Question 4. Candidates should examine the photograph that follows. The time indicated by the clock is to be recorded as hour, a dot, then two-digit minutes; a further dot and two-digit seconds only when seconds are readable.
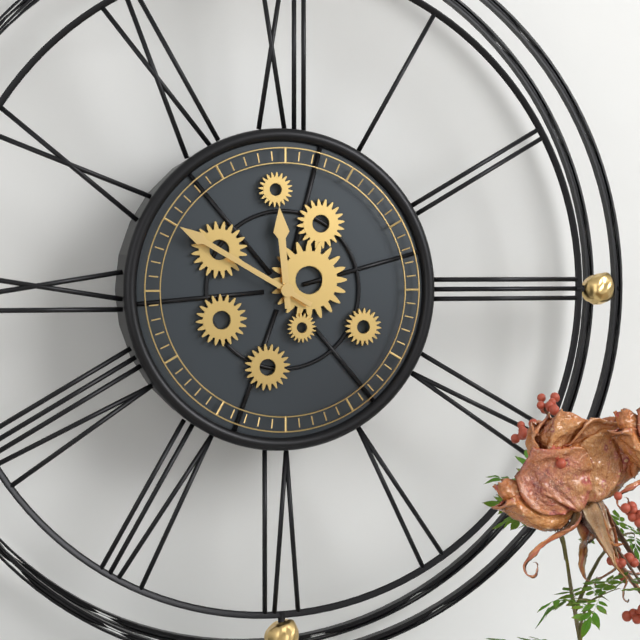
11.50
